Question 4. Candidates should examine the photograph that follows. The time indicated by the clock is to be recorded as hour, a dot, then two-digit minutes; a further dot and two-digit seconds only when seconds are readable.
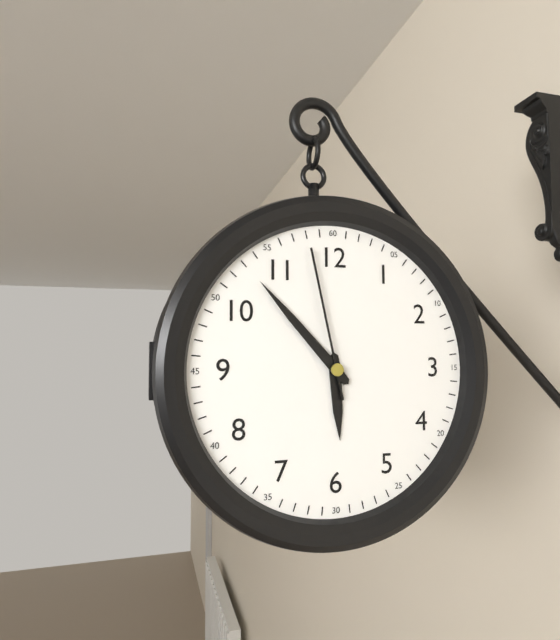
5.53.58
